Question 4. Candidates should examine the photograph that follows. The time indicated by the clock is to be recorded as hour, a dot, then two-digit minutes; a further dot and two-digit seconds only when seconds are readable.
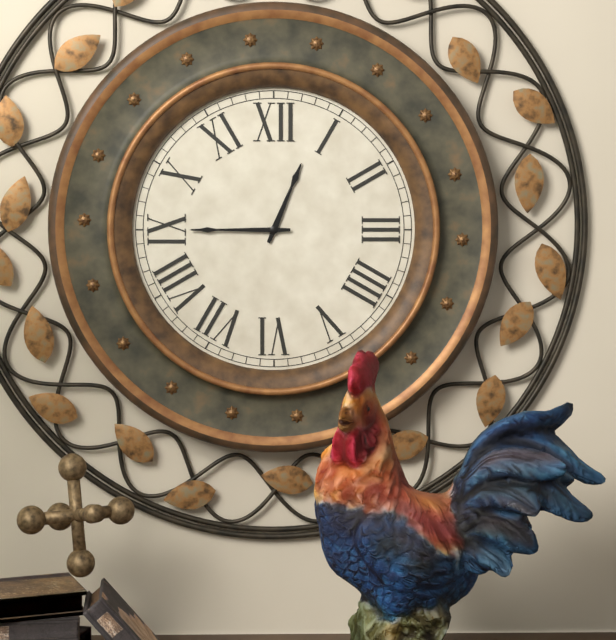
12.45
